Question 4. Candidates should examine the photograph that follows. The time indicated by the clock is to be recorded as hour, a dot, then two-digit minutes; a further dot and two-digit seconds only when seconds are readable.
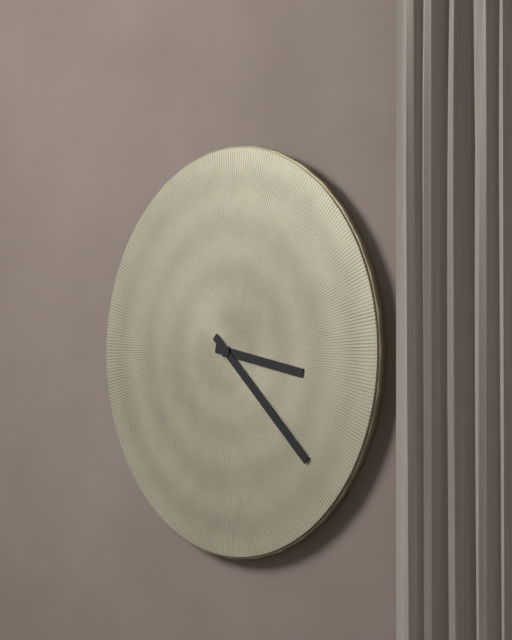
3.22
